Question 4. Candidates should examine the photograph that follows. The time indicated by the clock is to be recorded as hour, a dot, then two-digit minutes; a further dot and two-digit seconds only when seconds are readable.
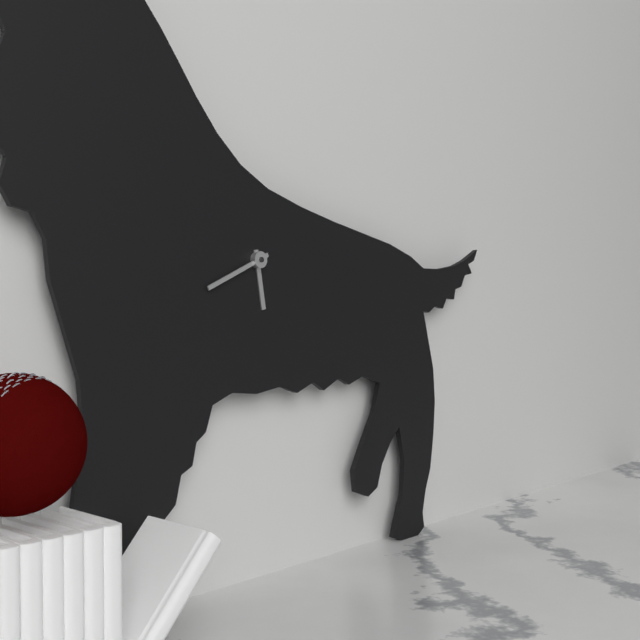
5.41
